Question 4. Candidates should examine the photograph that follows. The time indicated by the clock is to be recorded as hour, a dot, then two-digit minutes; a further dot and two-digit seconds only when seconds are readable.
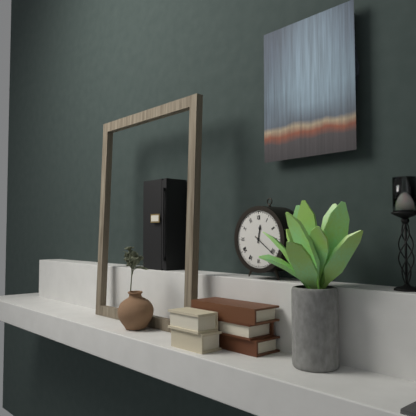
12.21
